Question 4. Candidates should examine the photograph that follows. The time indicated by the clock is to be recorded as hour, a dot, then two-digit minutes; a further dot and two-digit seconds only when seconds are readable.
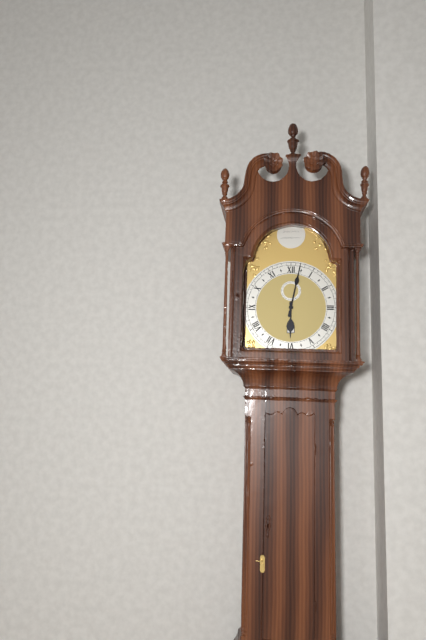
6.02
